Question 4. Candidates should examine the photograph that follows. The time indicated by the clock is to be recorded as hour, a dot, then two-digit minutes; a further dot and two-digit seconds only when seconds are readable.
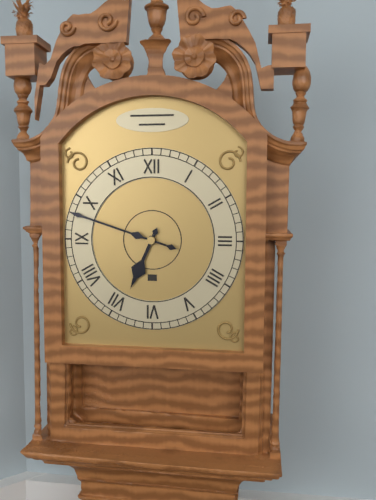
6.48
